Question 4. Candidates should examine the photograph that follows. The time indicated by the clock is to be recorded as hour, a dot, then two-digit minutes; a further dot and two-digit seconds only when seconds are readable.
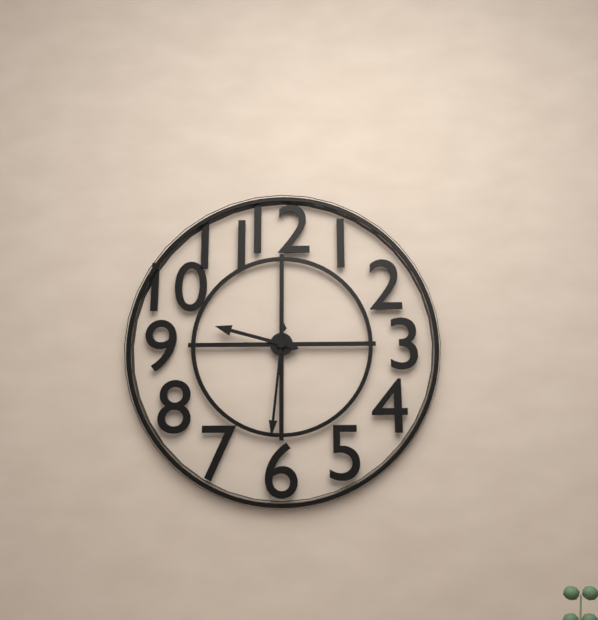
9.31
